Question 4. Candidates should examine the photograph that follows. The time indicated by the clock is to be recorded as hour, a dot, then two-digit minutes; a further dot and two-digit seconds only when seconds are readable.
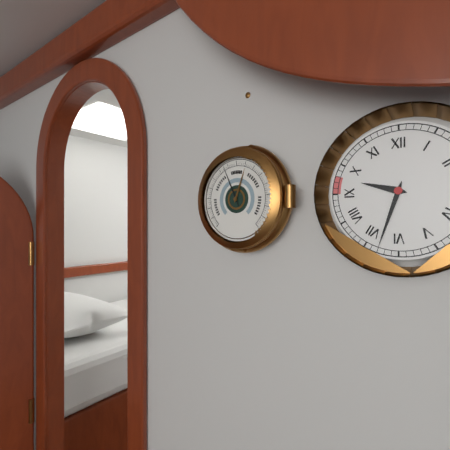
9.33
